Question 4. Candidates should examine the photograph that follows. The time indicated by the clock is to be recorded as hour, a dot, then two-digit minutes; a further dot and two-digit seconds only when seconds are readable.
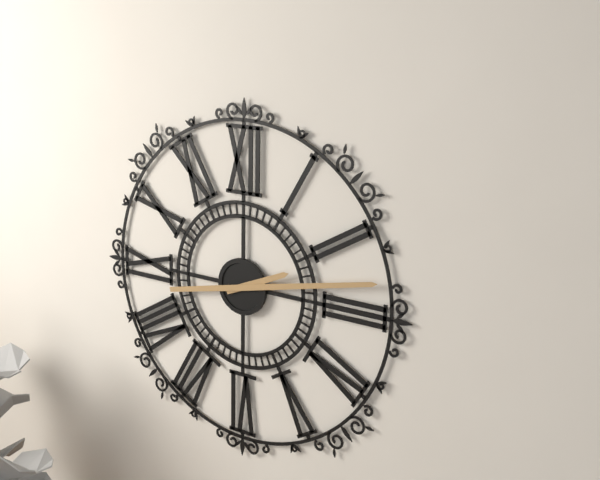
2.13
